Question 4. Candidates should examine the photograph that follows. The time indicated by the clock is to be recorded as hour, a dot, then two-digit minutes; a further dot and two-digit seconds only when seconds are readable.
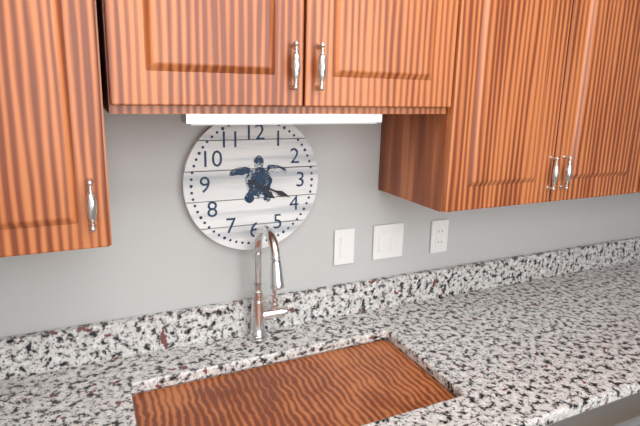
4.19
